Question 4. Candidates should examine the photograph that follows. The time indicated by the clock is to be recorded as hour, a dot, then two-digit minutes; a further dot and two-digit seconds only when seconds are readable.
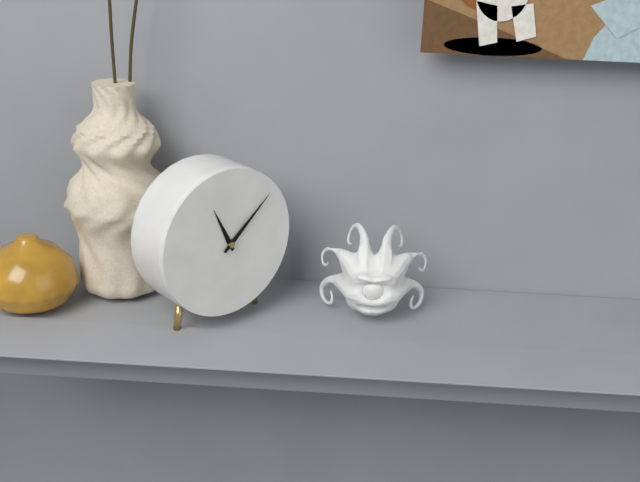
11.08
